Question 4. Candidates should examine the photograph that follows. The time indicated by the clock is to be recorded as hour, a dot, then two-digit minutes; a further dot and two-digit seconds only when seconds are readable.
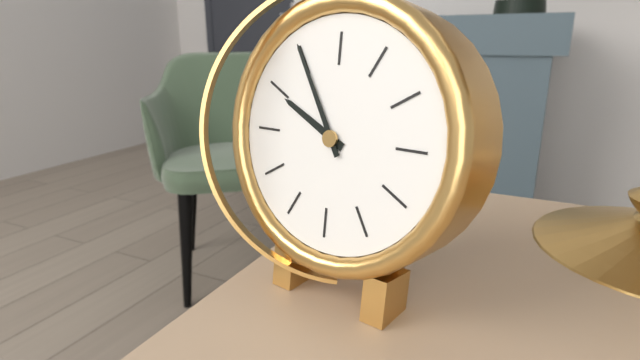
9.55
